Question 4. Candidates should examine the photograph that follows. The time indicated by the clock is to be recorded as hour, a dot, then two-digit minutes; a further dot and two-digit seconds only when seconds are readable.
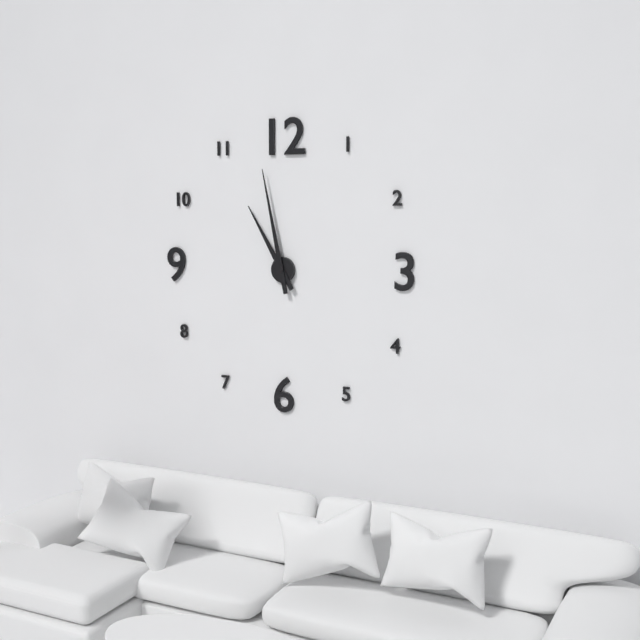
10.58
